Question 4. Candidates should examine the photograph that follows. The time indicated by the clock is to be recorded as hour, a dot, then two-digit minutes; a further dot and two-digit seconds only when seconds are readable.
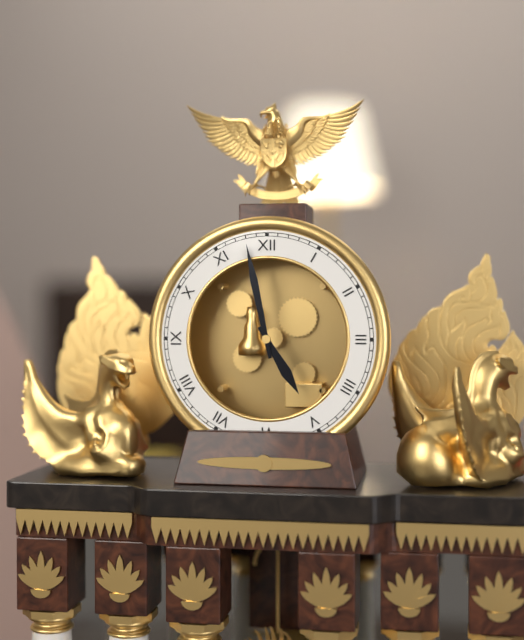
4.58
